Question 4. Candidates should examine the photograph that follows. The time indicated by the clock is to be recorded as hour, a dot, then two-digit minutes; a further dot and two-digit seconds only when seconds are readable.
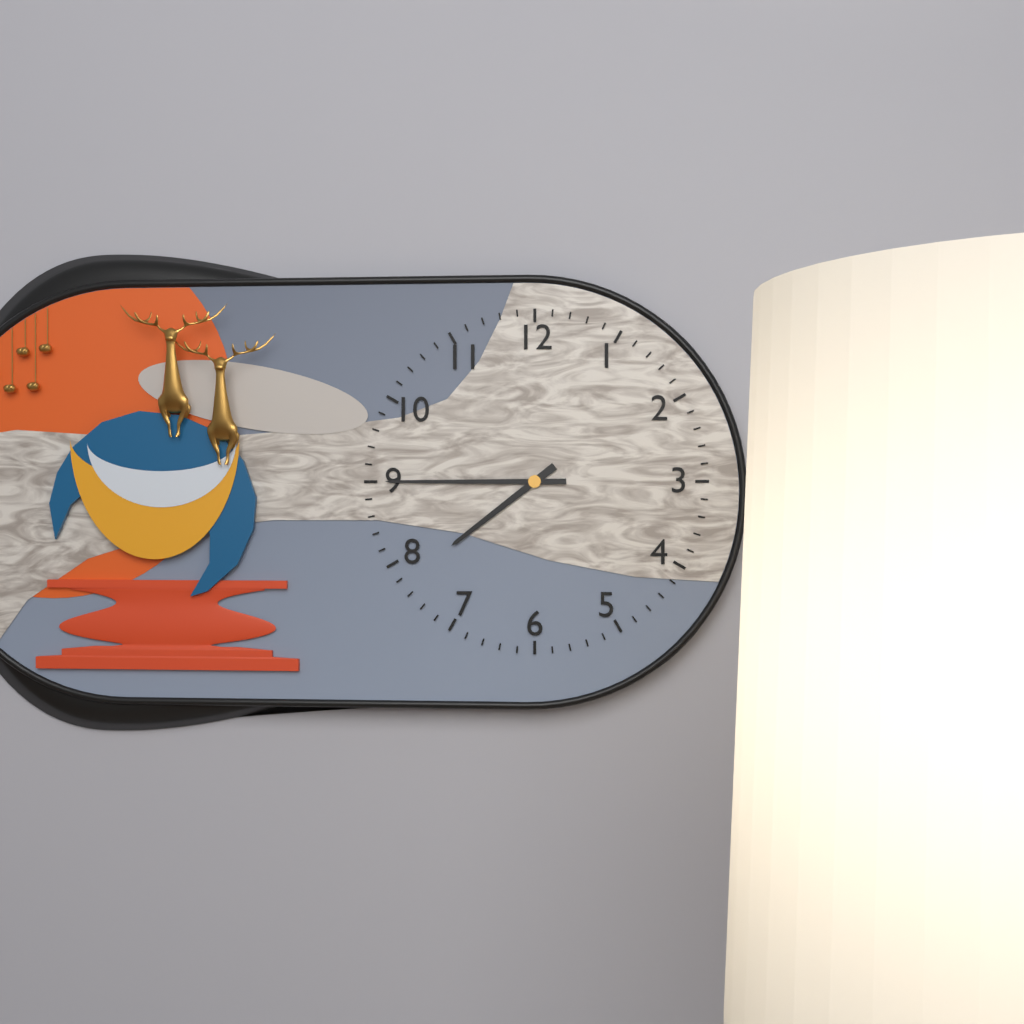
7.45
